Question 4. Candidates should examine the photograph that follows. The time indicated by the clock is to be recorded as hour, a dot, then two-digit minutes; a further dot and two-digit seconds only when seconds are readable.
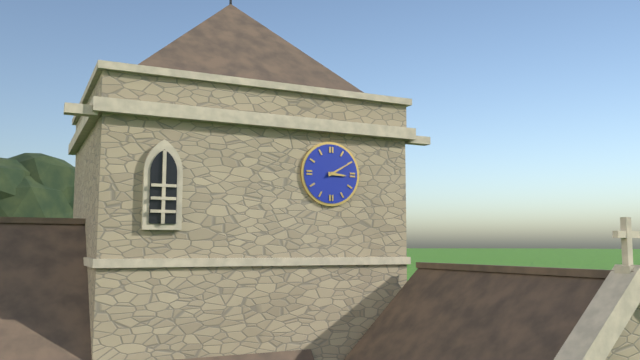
3.10
